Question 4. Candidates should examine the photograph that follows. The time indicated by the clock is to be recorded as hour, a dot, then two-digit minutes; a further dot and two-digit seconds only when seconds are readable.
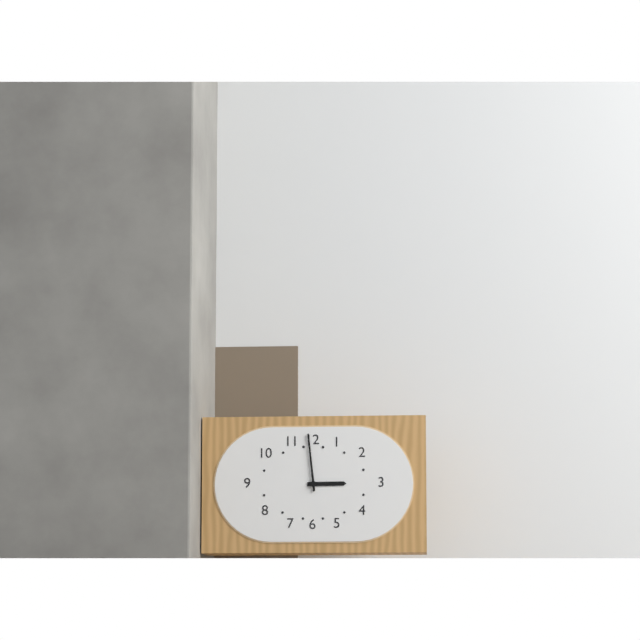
2.59
